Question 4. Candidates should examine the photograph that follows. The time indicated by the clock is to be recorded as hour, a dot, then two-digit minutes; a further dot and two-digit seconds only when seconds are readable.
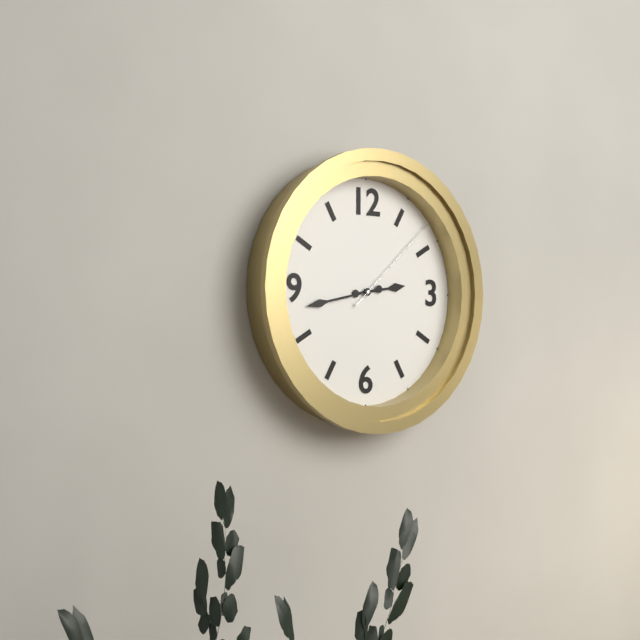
2.43.08
